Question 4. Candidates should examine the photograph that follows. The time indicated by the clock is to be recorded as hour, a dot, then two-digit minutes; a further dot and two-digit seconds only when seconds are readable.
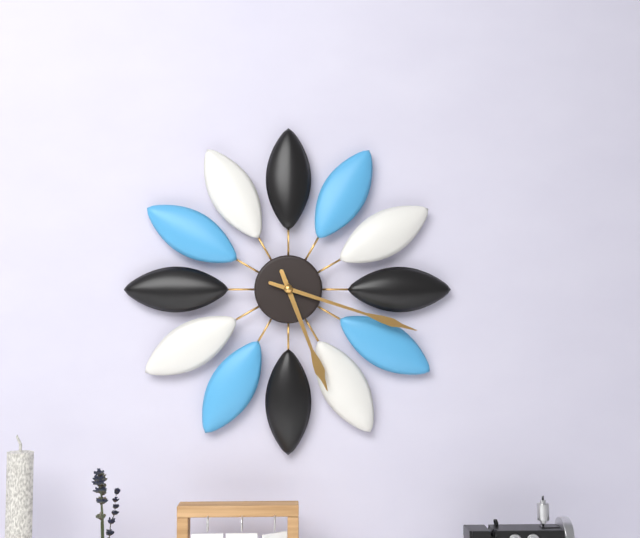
5.18
